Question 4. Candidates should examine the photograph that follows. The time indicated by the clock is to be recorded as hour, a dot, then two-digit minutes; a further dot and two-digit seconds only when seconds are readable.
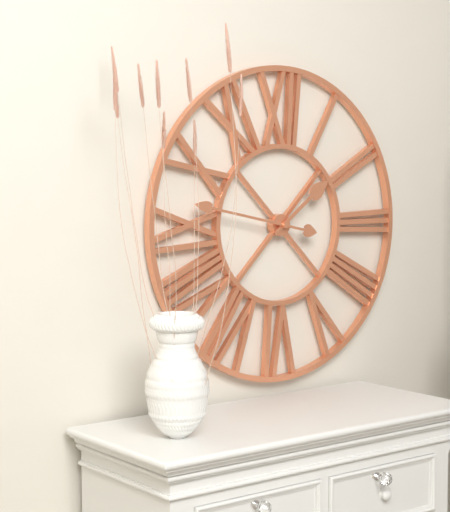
1.47
